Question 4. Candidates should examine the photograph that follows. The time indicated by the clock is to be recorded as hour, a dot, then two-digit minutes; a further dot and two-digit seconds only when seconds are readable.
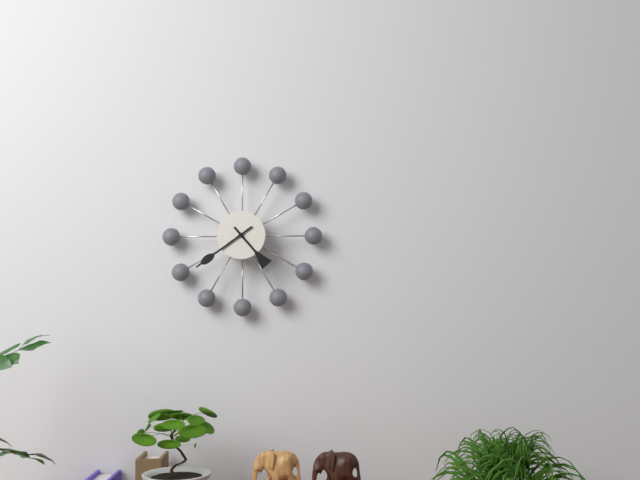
4.39
